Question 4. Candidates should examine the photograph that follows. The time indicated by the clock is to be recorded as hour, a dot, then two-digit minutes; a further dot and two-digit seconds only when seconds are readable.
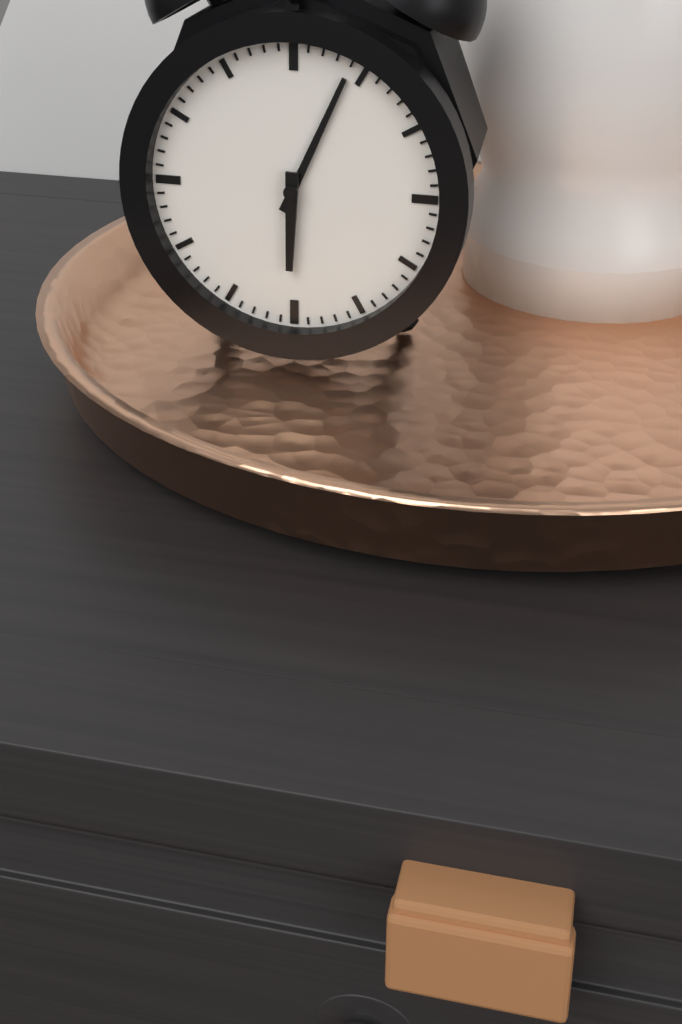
6.04
